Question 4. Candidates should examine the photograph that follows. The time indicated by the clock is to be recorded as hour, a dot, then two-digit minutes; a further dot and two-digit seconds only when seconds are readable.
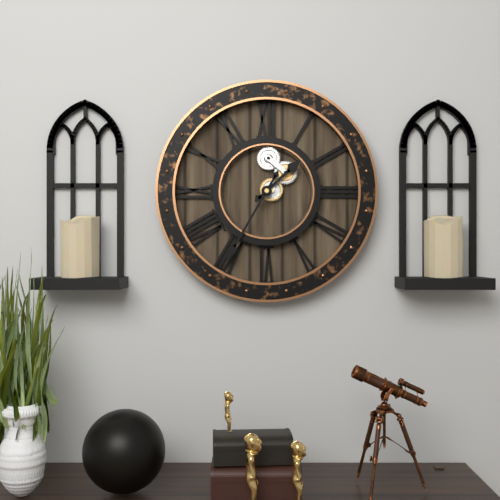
1.35
